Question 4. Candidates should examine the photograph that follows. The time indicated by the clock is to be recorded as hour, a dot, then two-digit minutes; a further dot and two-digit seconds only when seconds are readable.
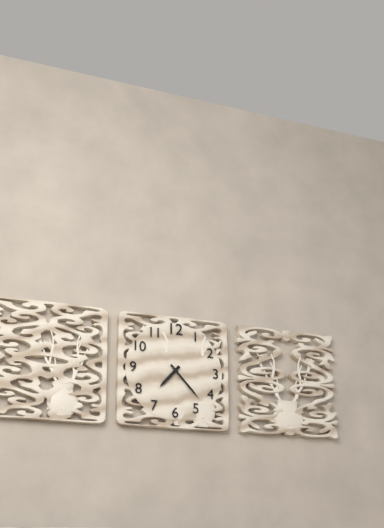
7.23
